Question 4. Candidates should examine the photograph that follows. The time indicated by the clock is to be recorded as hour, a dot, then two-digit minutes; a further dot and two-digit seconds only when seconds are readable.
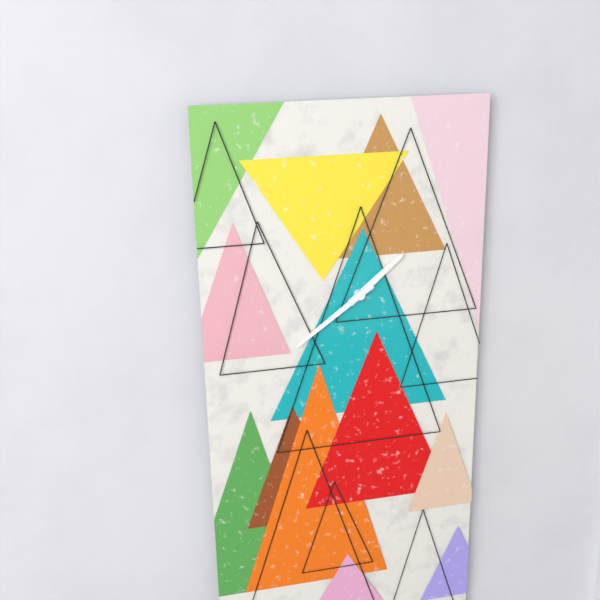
1.39
